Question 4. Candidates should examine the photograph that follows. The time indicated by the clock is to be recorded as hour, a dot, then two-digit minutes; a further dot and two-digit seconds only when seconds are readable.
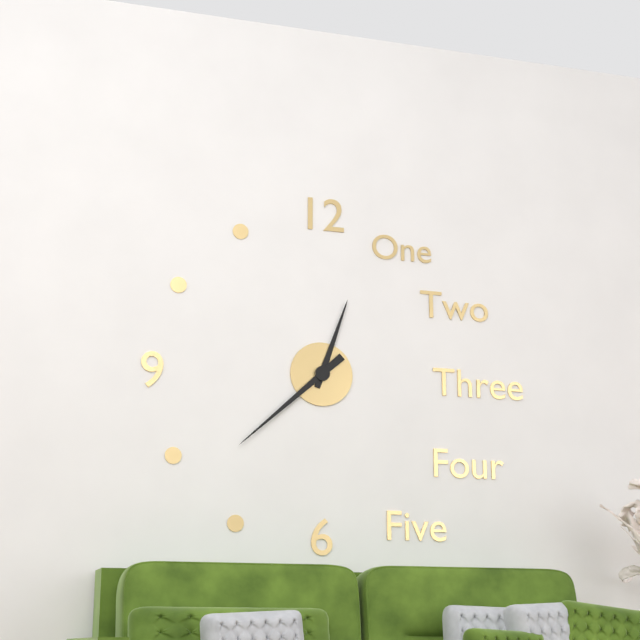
12.38
